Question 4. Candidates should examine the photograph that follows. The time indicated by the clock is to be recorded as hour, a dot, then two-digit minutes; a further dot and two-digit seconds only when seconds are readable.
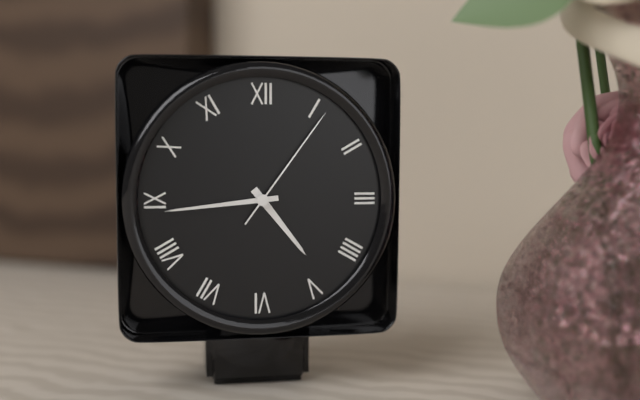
4.44.06
